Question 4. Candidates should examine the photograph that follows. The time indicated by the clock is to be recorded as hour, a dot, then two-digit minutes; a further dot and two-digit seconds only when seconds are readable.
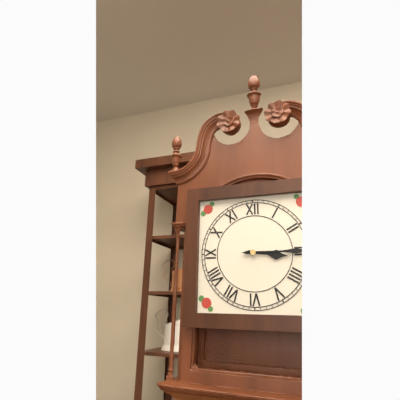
3.15
